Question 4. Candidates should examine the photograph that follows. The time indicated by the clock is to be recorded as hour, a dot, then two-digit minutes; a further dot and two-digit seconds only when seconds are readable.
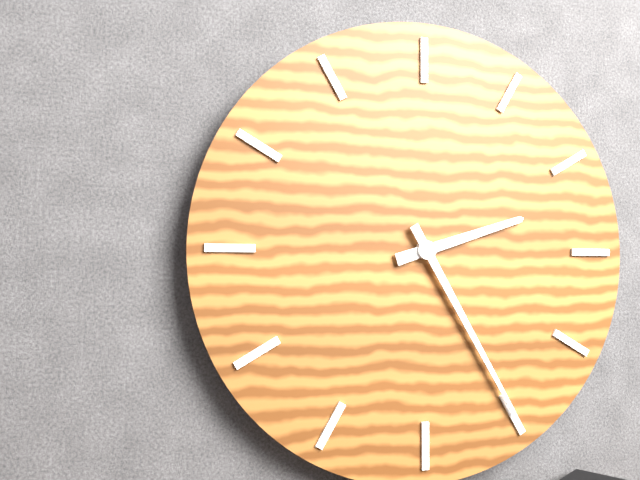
2.25
